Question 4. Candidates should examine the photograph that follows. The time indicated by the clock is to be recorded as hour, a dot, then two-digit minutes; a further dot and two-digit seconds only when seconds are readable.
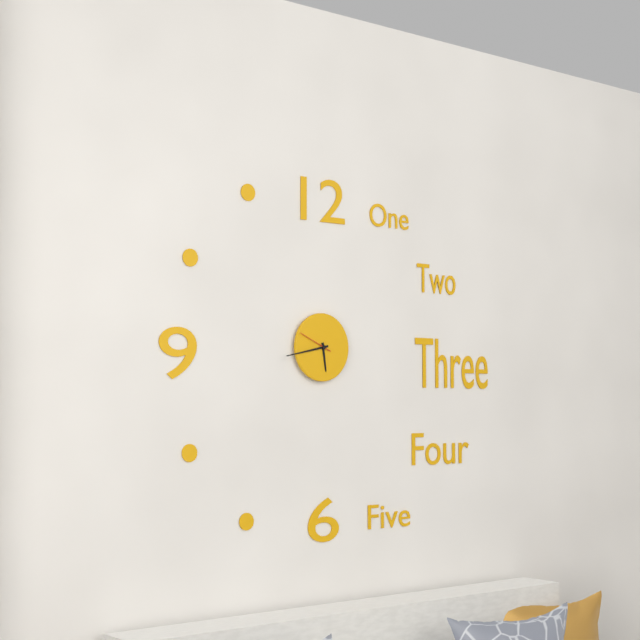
5.43
